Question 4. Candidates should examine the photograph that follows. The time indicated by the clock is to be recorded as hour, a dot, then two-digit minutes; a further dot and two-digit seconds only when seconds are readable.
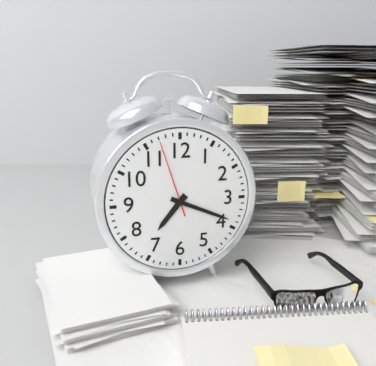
7.19.57
